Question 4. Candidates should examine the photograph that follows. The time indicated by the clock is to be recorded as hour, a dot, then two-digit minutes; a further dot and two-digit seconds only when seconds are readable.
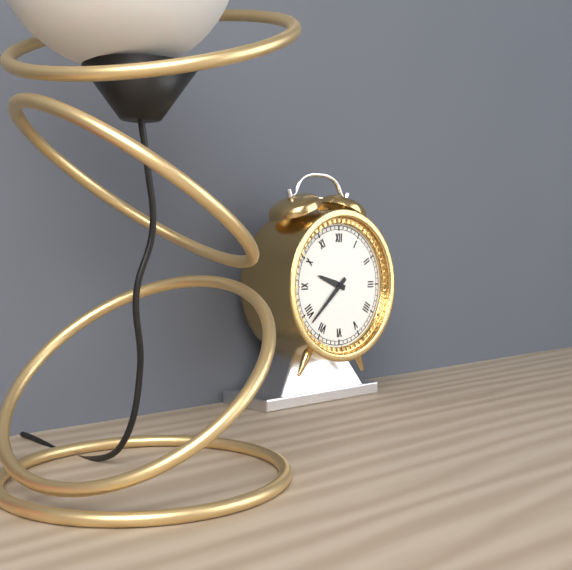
9.38
